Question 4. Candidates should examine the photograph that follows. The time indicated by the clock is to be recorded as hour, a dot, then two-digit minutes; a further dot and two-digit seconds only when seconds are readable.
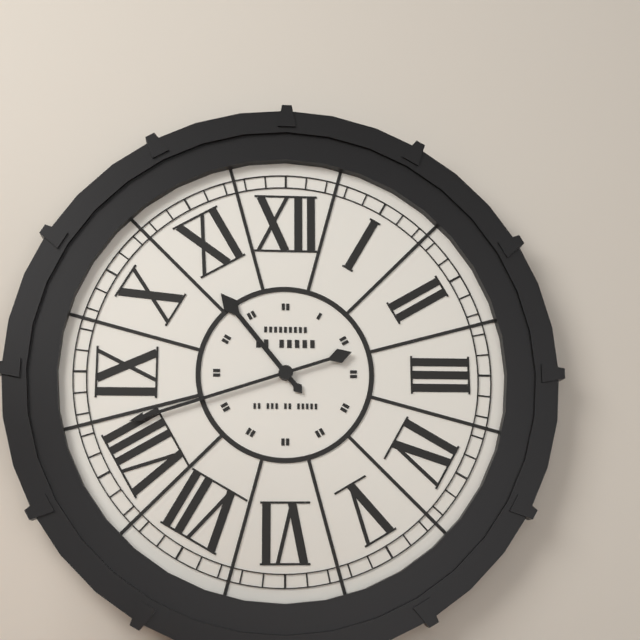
10.42
